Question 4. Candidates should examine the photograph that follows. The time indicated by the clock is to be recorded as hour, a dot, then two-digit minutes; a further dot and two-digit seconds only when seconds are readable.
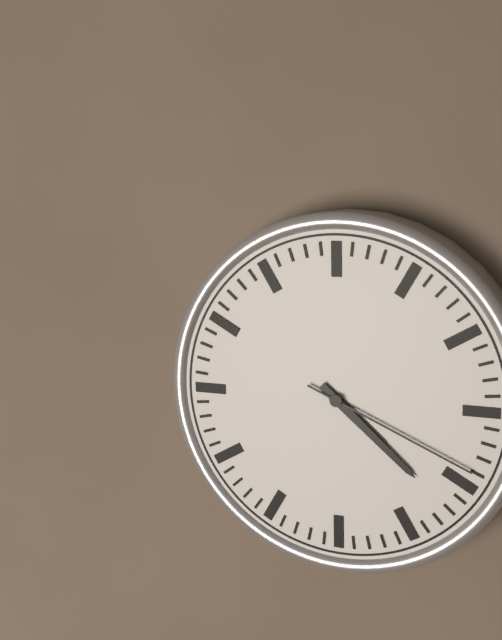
4.22.19
